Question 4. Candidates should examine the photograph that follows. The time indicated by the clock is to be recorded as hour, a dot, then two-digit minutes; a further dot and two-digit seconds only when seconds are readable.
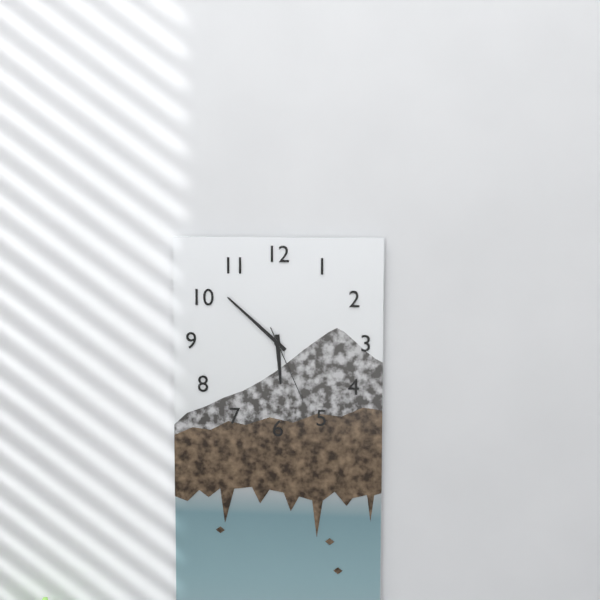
5.52.26
